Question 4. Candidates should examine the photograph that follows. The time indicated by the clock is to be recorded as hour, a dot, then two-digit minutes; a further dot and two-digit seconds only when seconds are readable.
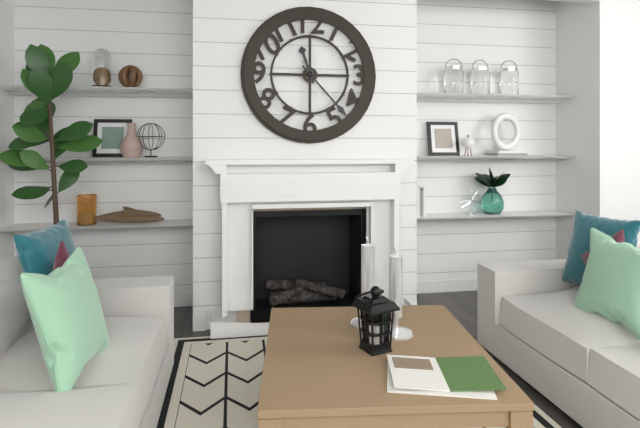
11.23
